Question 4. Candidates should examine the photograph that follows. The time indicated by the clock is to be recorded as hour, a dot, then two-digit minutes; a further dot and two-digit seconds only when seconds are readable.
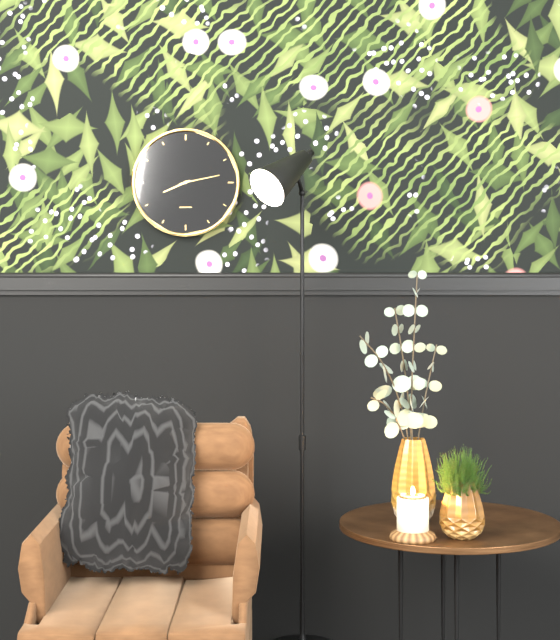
8.13
